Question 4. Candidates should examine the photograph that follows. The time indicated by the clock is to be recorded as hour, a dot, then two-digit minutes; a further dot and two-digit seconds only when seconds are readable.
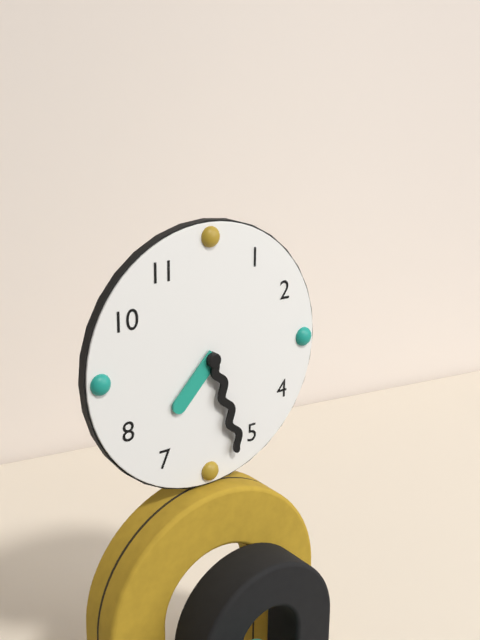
7.27
